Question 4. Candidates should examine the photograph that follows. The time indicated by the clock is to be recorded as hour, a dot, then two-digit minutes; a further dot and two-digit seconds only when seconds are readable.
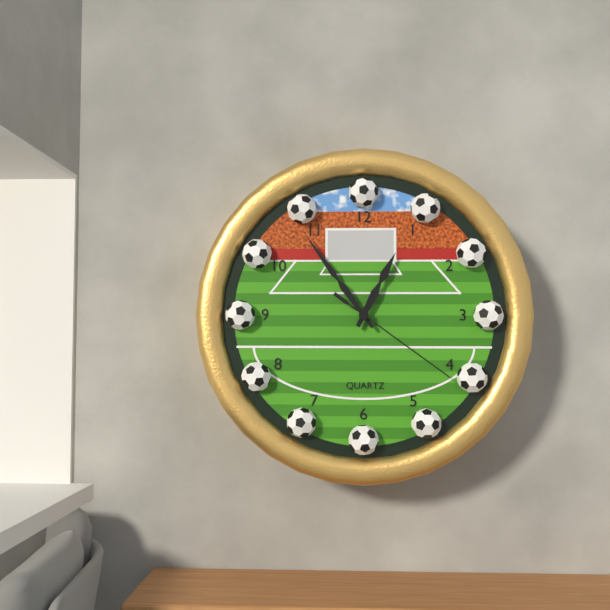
12.54.21
